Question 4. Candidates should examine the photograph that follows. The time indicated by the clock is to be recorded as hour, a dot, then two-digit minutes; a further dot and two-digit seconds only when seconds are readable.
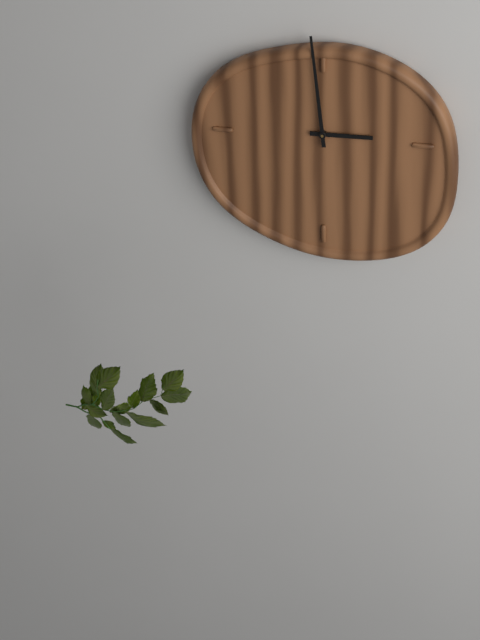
2.59
